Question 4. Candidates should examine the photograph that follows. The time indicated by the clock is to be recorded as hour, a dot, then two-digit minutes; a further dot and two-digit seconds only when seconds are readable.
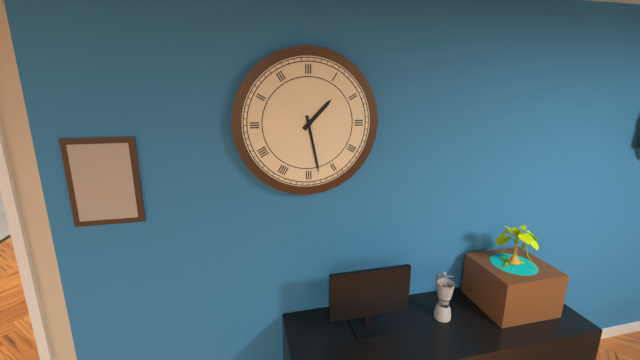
1.28
